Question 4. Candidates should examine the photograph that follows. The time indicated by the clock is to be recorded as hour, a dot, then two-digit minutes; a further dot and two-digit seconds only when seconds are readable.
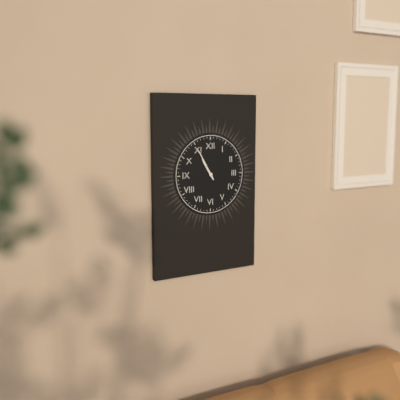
10.55
